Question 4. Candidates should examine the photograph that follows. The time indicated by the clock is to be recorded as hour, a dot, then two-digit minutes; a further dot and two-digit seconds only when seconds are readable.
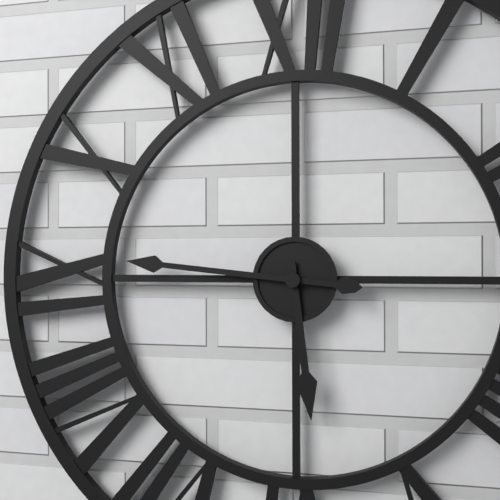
5.46
